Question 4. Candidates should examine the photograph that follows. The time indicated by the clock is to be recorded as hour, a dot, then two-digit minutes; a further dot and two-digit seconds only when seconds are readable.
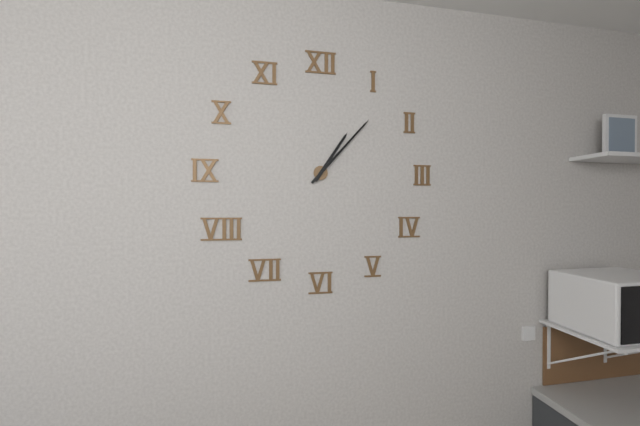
1.07
